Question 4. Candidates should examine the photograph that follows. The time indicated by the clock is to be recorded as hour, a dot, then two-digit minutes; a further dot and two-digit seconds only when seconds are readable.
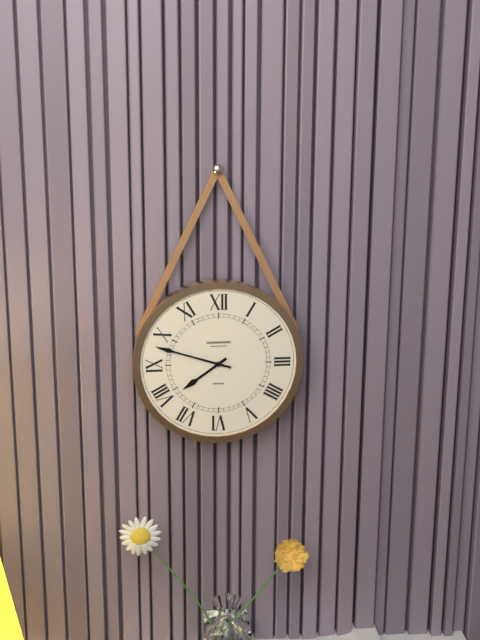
7.48
